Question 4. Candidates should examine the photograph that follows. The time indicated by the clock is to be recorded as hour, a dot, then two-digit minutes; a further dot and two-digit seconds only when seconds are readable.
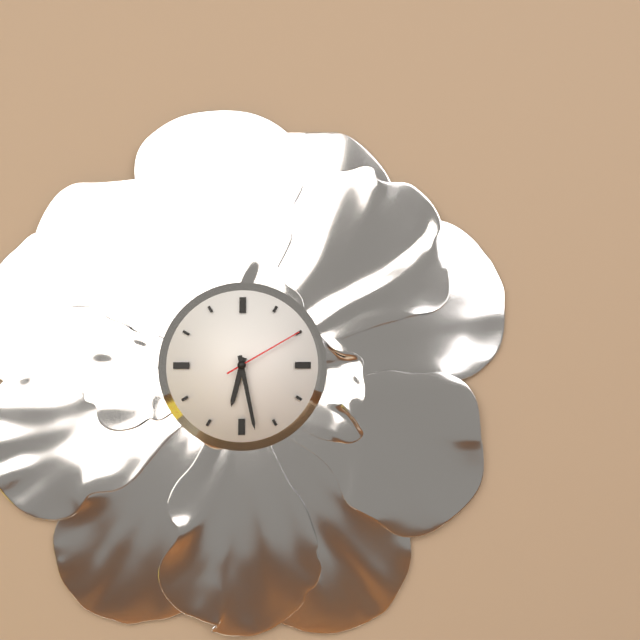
6.28.10
